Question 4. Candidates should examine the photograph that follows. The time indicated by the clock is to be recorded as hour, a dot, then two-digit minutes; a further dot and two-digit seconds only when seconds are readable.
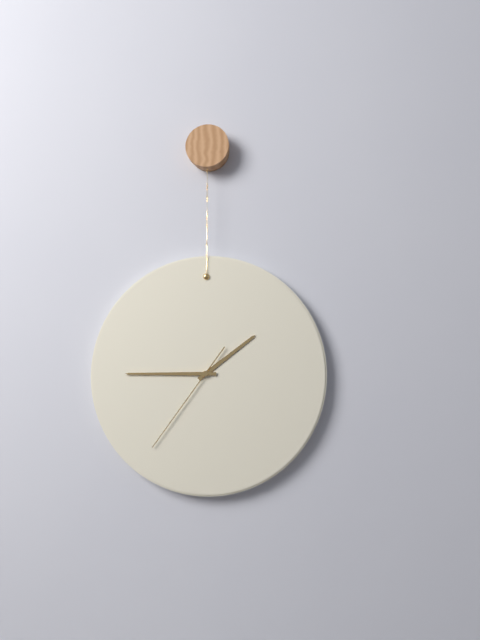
1.45.36
